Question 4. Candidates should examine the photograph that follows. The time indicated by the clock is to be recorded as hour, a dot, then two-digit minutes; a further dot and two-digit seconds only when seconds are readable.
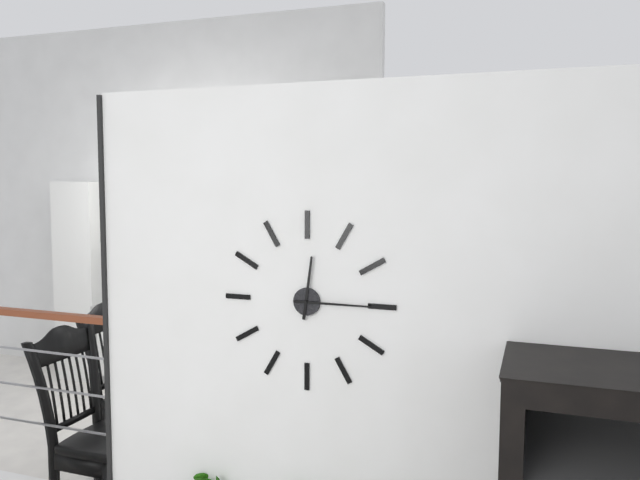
12.15
